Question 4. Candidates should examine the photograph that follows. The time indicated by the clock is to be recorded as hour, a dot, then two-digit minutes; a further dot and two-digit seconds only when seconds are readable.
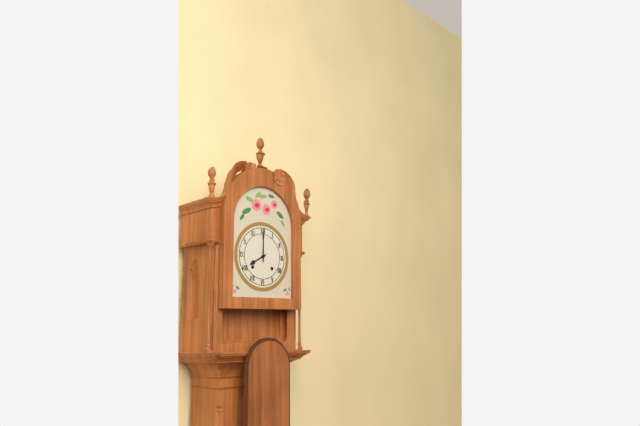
8.00
